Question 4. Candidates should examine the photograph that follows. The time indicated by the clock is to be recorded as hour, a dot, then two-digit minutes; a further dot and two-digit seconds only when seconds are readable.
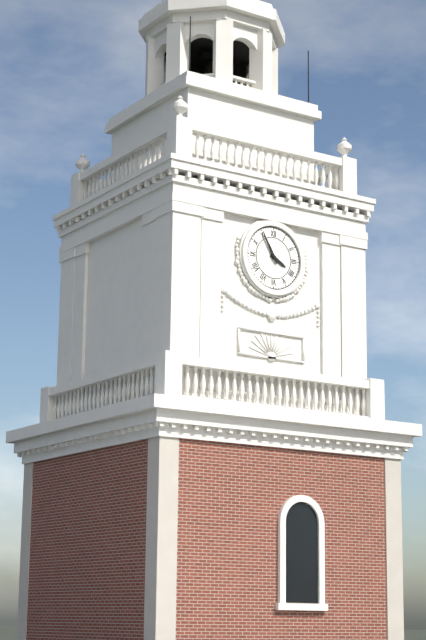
3.55
